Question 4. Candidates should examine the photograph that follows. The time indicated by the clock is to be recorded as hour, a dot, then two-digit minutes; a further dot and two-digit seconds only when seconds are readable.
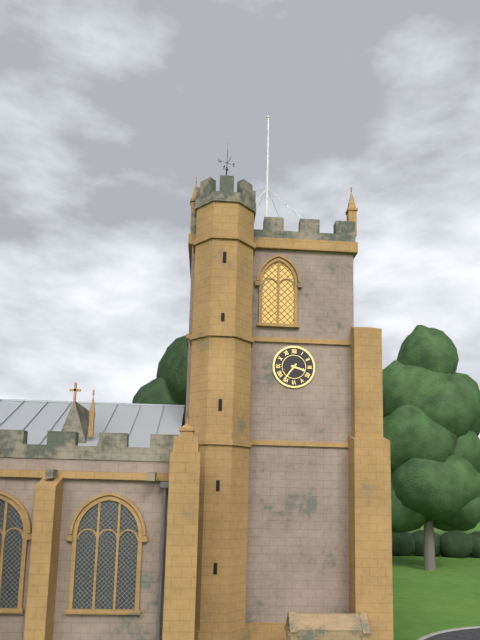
3.36
